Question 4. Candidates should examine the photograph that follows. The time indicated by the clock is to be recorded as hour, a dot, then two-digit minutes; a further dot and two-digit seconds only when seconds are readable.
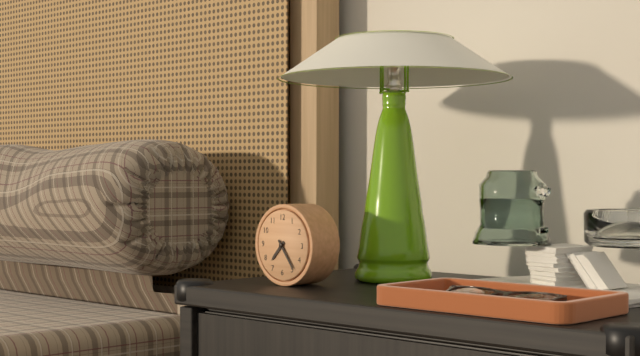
7.24
